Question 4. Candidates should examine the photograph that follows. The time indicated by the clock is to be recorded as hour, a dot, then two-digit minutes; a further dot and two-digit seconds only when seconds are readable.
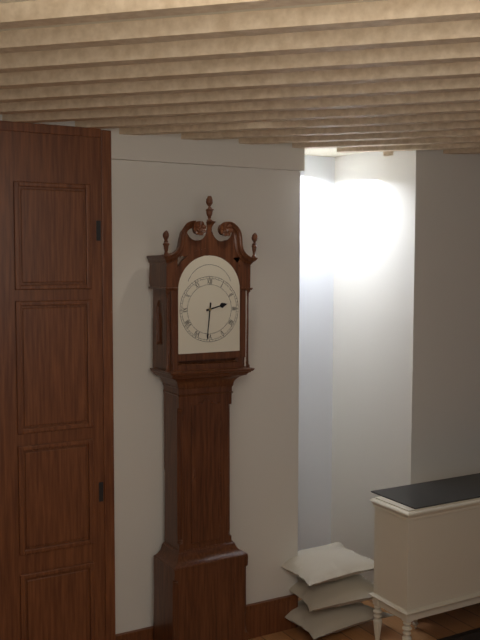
2.31
